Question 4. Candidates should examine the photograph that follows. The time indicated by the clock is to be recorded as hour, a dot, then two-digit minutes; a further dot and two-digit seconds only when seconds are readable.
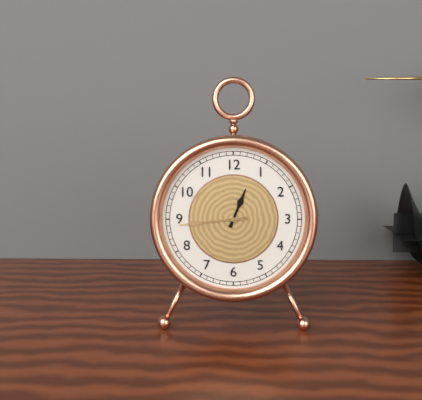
12.44
